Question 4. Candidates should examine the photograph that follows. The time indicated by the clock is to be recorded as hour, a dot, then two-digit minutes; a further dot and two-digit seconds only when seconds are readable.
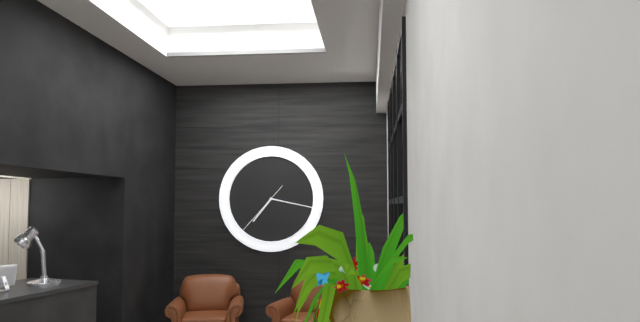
7.17.37
